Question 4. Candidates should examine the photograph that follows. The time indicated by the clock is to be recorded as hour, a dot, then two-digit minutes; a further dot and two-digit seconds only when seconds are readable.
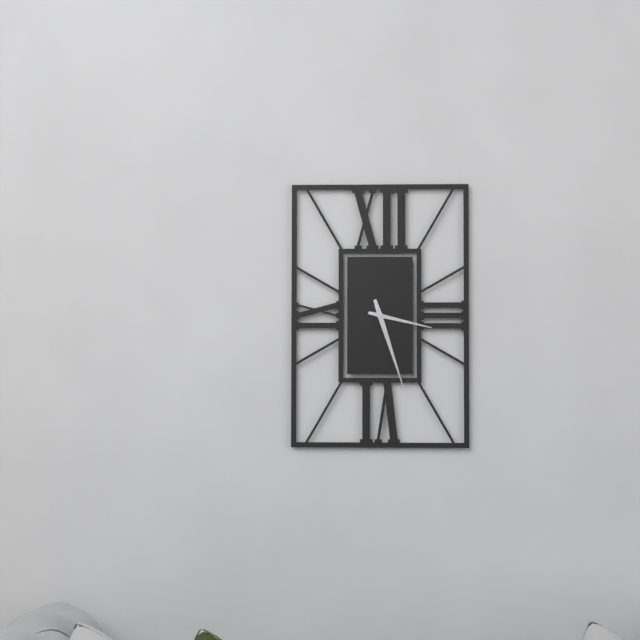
3.27
